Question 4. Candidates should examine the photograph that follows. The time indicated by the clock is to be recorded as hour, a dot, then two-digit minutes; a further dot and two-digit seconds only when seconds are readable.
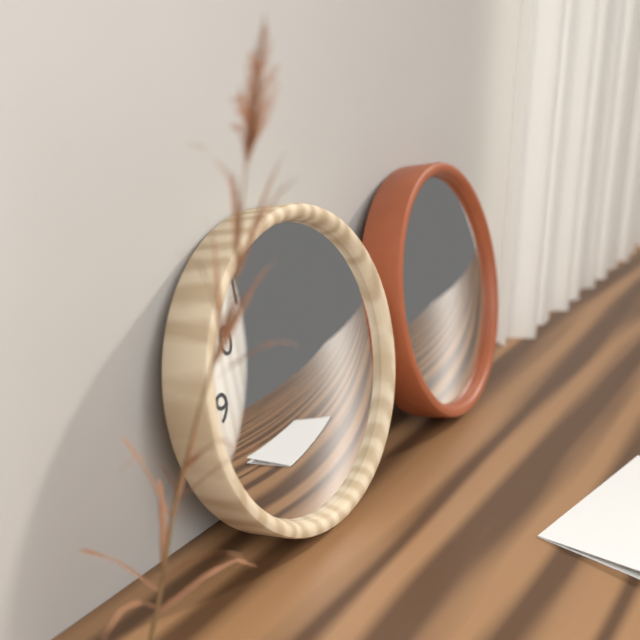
11.33
